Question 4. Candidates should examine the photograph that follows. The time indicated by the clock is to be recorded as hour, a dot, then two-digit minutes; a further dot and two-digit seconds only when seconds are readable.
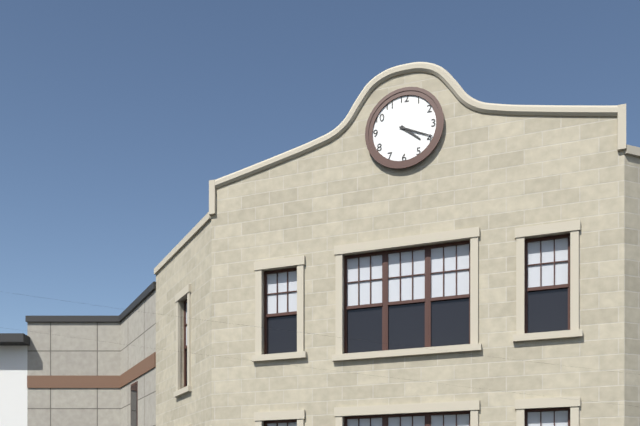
4.19
